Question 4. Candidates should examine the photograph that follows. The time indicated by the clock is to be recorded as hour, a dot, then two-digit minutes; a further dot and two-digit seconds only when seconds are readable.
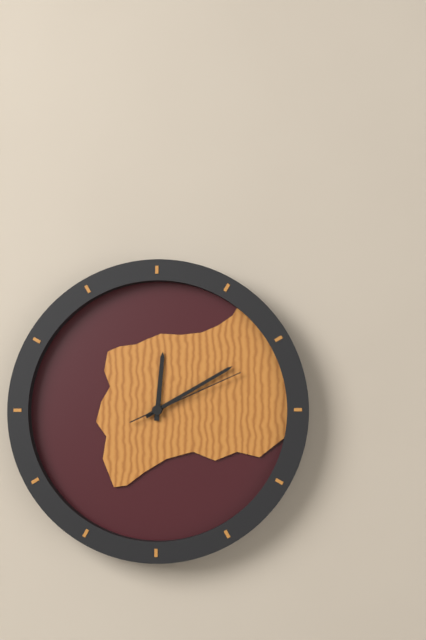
12.10.11
